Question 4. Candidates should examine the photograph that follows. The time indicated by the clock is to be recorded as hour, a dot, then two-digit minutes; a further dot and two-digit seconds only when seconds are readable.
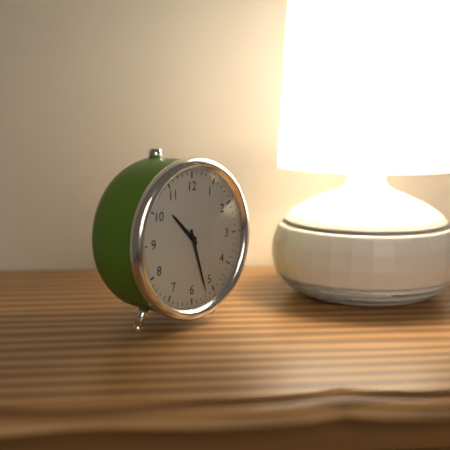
10.27
